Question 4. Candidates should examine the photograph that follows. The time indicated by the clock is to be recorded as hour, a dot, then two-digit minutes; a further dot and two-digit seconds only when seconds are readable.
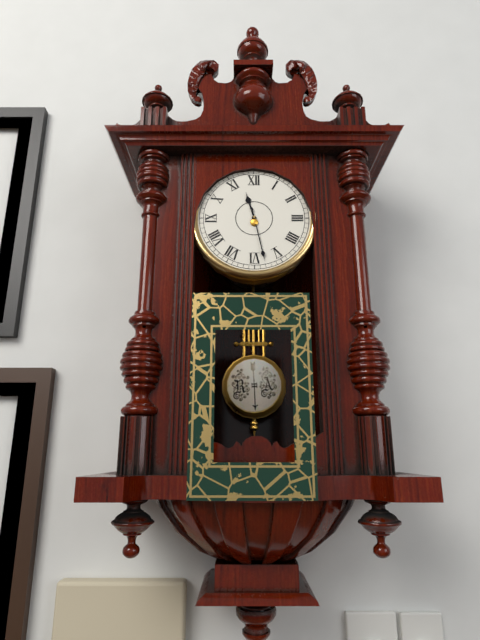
11.28
